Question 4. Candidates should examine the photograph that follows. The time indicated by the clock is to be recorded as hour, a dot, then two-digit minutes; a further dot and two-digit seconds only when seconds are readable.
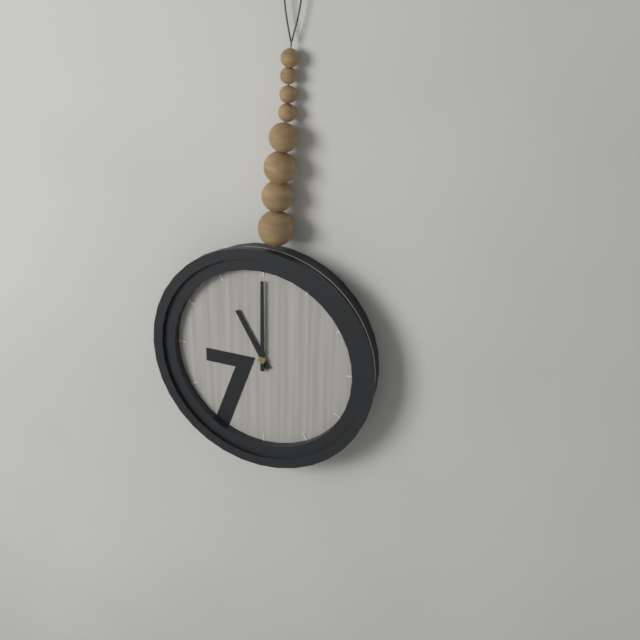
11.00
